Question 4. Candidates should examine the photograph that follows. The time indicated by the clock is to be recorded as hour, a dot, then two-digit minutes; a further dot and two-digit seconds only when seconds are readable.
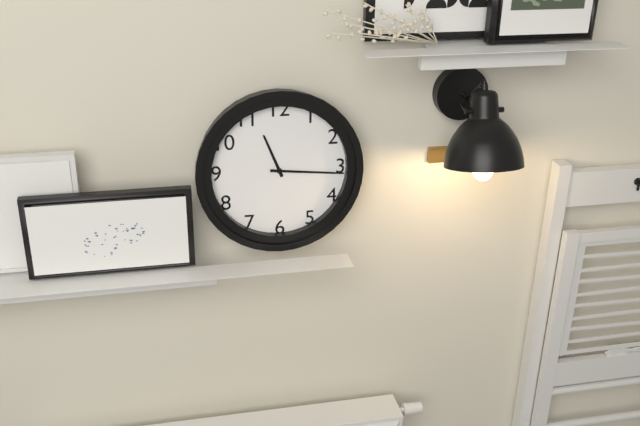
11.16
